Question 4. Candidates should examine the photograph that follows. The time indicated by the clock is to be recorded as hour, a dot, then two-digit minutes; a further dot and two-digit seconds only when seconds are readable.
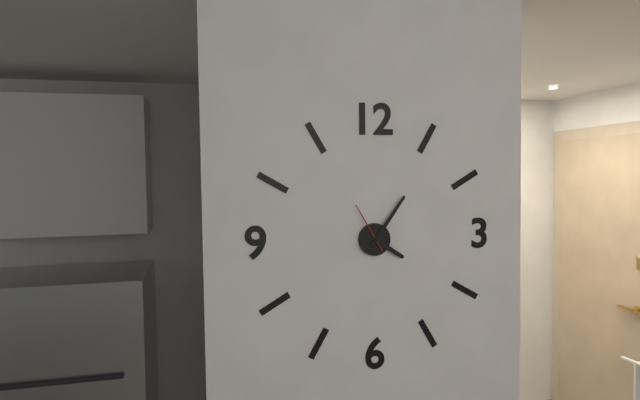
4.06.55
